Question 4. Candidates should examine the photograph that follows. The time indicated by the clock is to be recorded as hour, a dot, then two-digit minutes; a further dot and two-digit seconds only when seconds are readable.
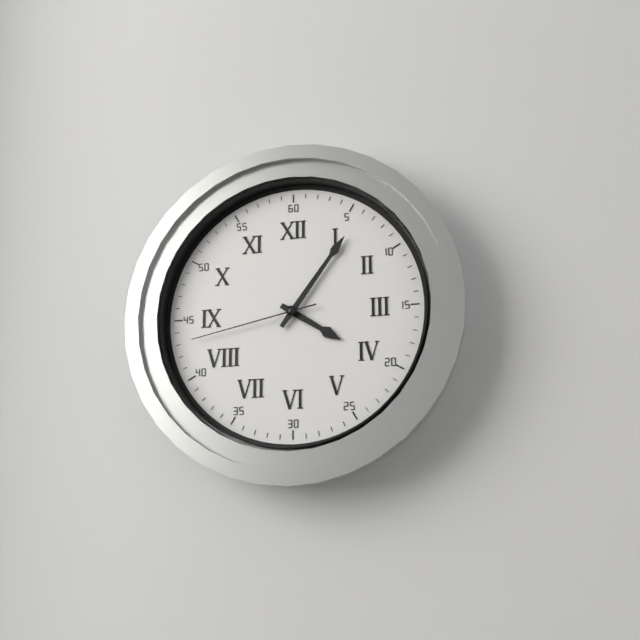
4.06.43
